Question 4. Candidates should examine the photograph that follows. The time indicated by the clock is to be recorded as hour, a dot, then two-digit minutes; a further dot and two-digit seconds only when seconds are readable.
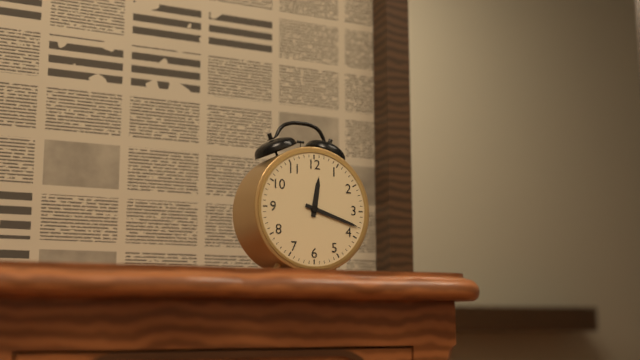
12.18
